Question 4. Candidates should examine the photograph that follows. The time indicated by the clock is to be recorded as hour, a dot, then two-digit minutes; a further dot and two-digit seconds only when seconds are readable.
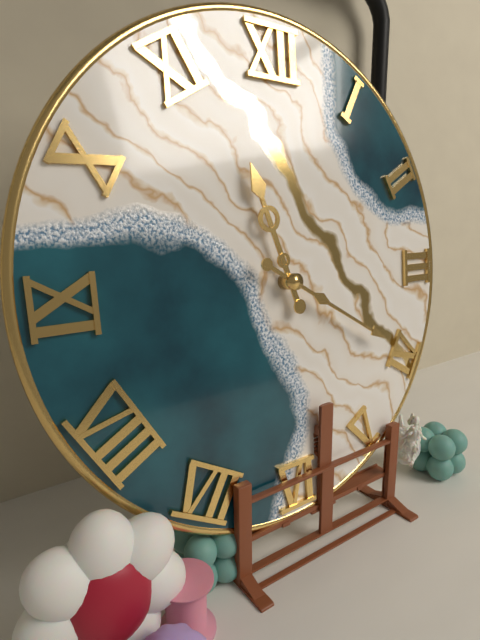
11.20
